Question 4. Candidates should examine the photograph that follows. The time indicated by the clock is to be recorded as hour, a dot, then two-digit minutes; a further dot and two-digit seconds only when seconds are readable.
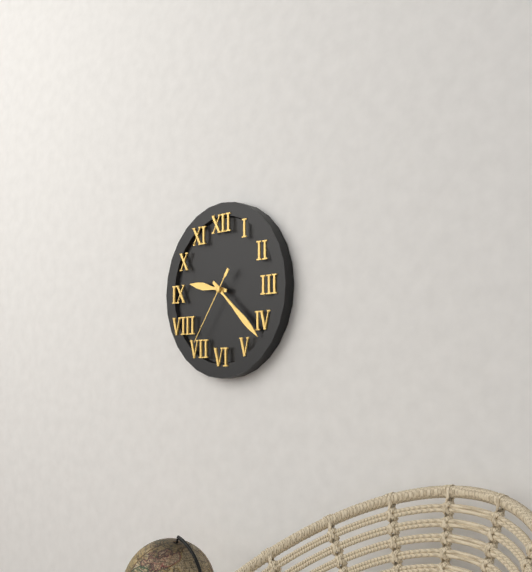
9.22.36
